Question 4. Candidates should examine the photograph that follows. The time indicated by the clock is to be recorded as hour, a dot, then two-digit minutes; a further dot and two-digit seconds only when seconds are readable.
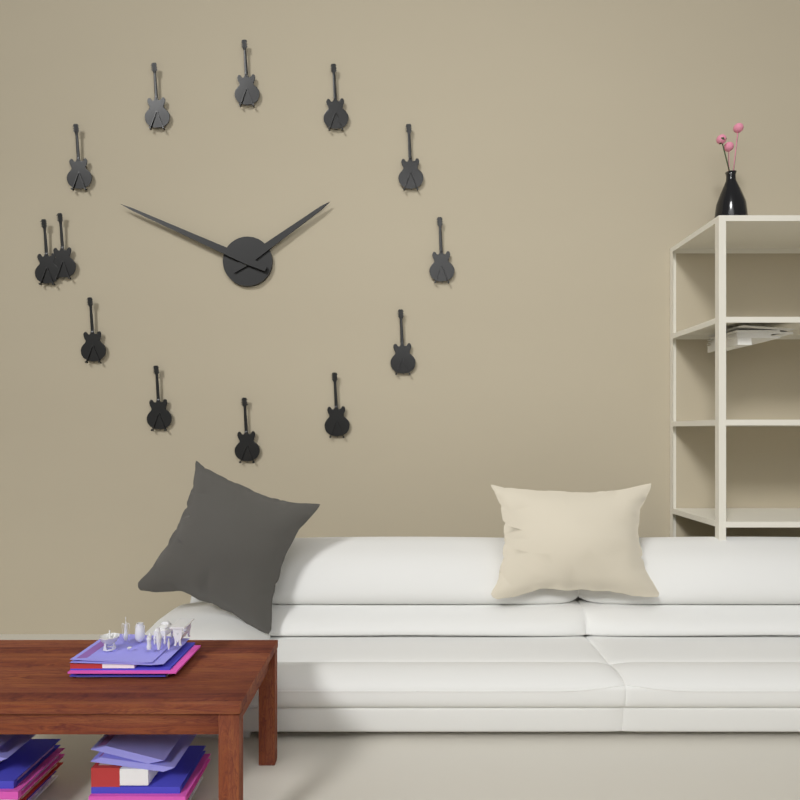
1.49
